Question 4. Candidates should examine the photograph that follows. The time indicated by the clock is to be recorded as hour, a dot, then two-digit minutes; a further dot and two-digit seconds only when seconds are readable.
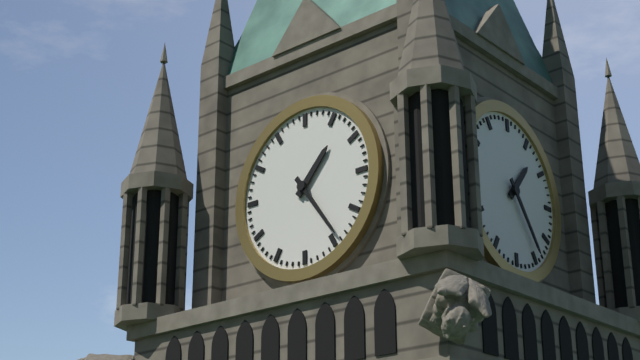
1.24
